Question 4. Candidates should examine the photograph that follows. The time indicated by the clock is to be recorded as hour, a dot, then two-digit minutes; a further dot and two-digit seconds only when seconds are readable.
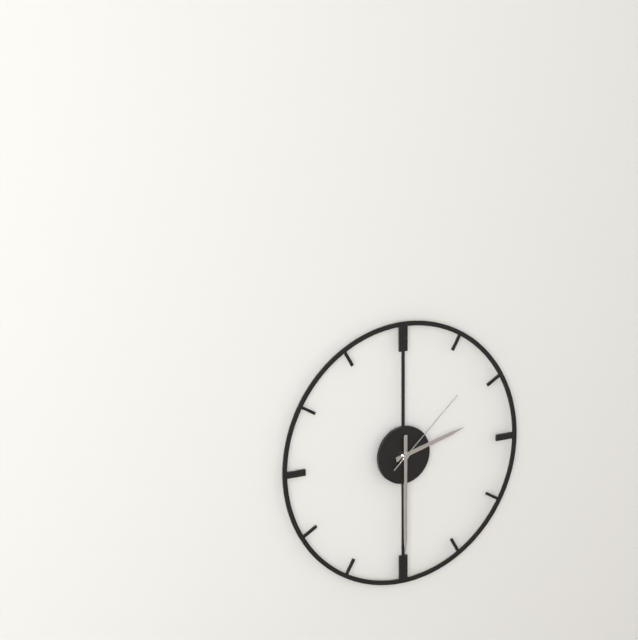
2.30.08
